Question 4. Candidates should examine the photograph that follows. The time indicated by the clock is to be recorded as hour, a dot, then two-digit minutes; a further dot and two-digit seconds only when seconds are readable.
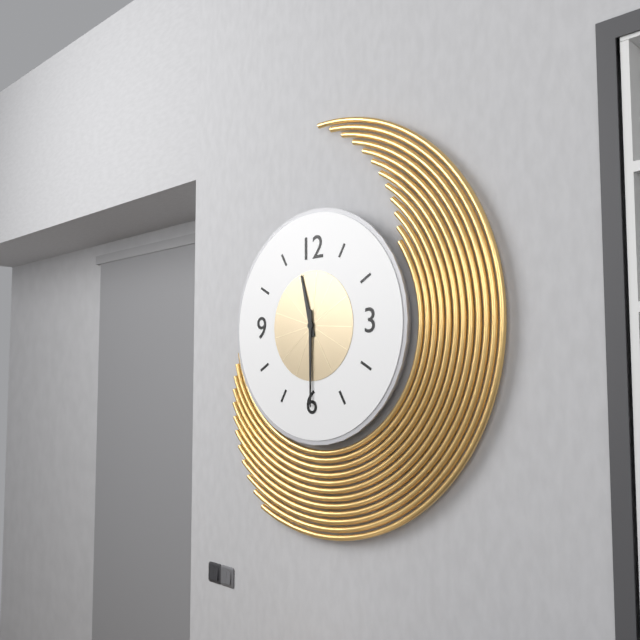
11.30
